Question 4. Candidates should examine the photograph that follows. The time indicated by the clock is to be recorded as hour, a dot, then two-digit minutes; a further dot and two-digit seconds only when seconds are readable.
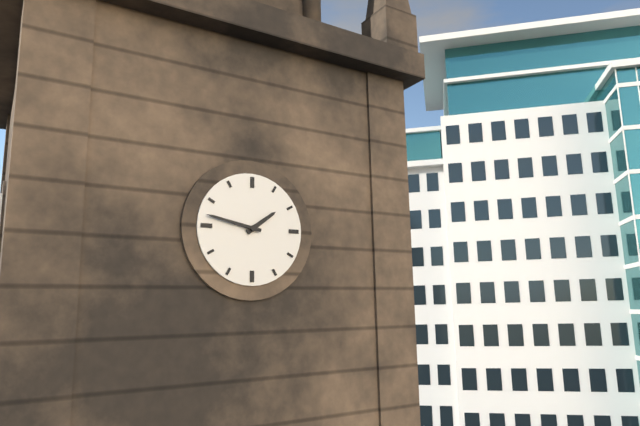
1.47
